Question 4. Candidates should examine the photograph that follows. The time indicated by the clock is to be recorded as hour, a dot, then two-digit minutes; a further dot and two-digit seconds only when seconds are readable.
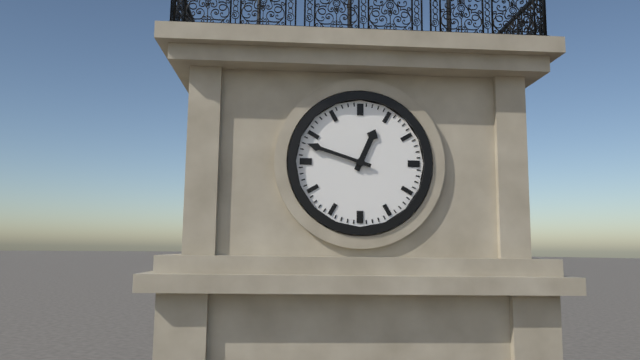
12.48
